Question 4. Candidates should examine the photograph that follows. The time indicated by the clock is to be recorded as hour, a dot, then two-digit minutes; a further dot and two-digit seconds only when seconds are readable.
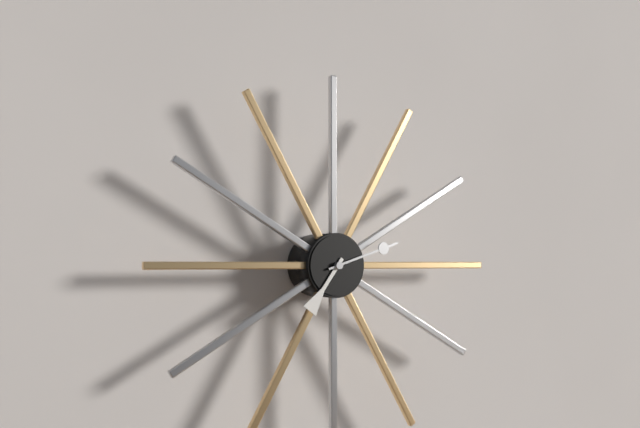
7.12
